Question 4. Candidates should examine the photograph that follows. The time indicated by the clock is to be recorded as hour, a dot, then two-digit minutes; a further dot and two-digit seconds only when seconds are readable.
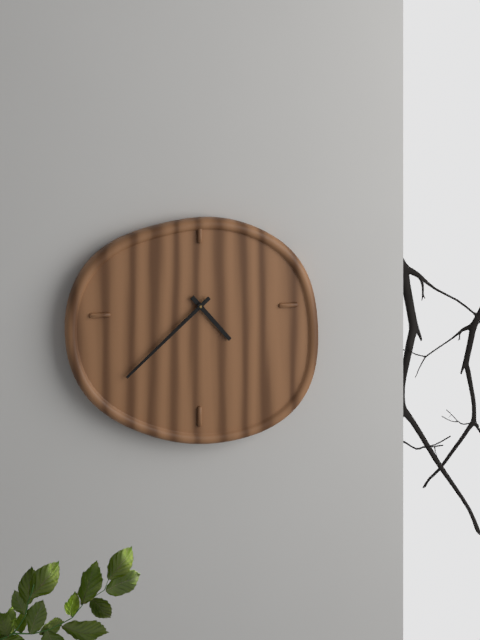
4.38
